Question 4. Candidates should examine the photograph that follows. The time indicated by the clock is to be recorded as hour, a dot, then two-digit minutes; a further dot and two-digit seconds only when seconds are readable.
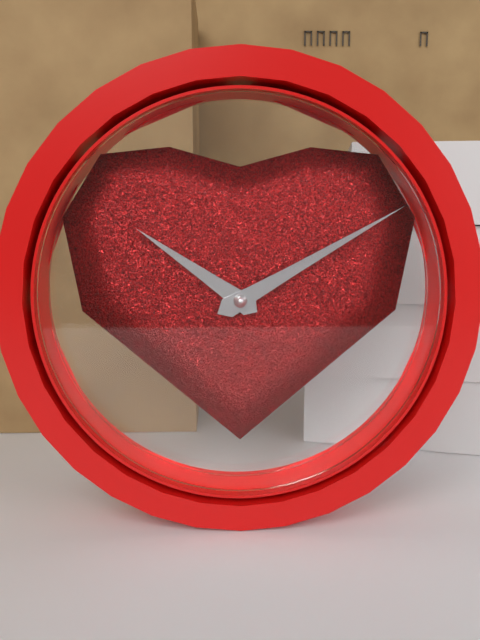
10.10
